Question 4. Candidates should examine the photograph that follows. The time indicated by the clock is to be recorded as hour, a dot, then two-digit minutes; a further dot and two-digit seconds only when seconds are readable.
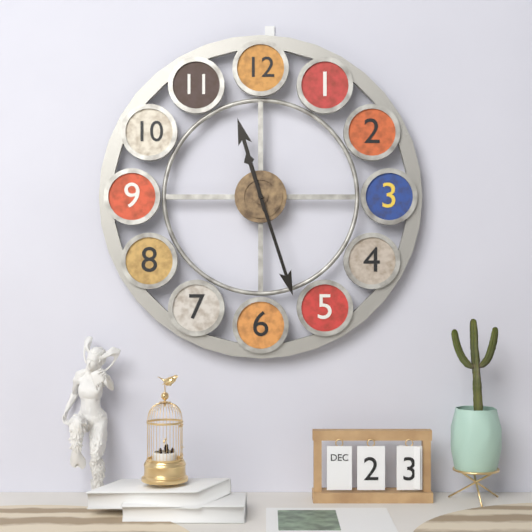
11.27
